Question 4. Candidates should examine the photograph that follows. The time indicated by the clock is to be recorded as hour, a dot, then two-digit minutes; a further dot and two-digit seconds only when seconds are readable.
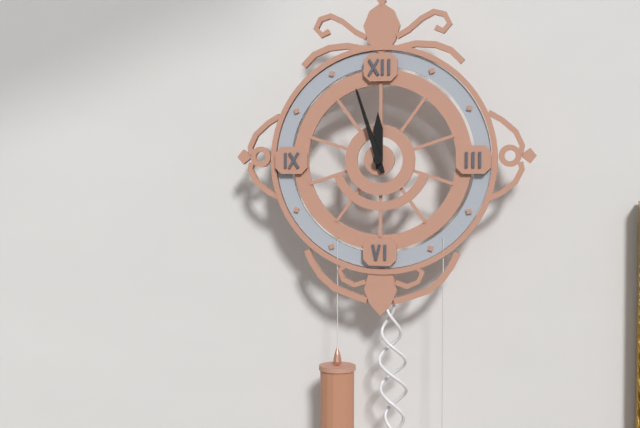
11.57
